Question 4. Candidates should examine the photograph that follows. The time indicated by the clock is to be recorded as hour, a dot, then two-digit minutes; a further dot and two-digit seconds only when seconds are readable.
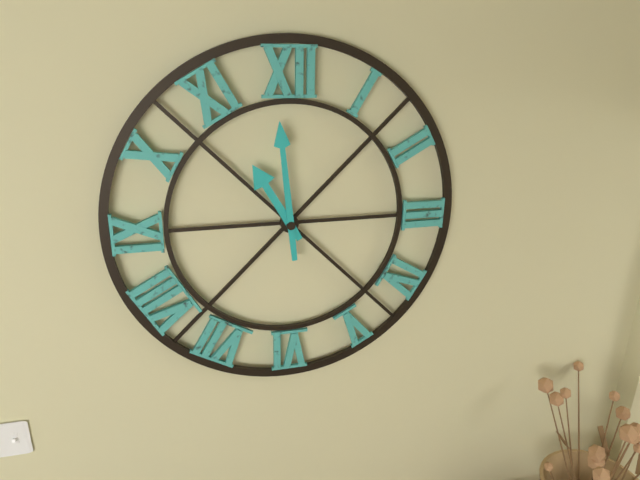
10.59
